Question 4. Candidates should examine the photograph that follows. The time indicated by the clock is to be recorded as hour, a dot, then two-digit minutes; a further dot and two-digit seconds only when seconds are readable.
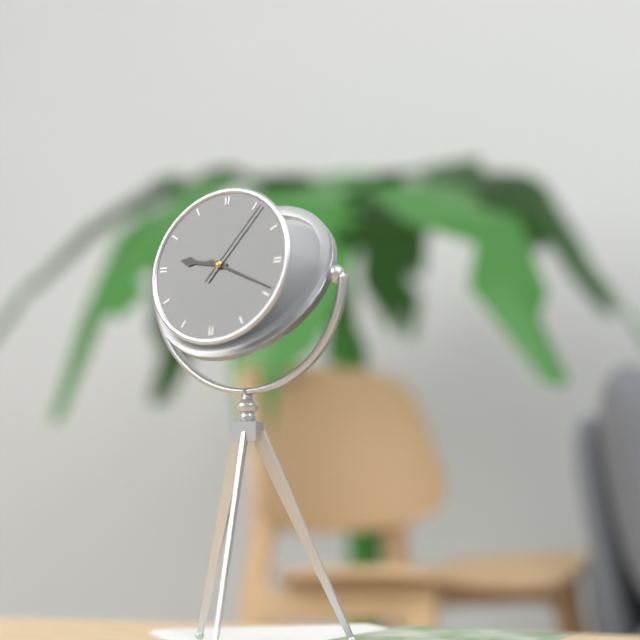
9.19.06
